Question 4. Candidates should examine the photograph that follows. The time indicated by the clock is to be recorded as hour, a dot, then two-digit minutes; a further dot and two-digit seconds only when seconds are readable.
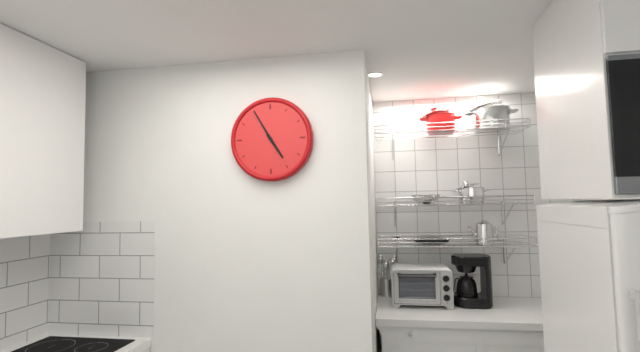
4.55
